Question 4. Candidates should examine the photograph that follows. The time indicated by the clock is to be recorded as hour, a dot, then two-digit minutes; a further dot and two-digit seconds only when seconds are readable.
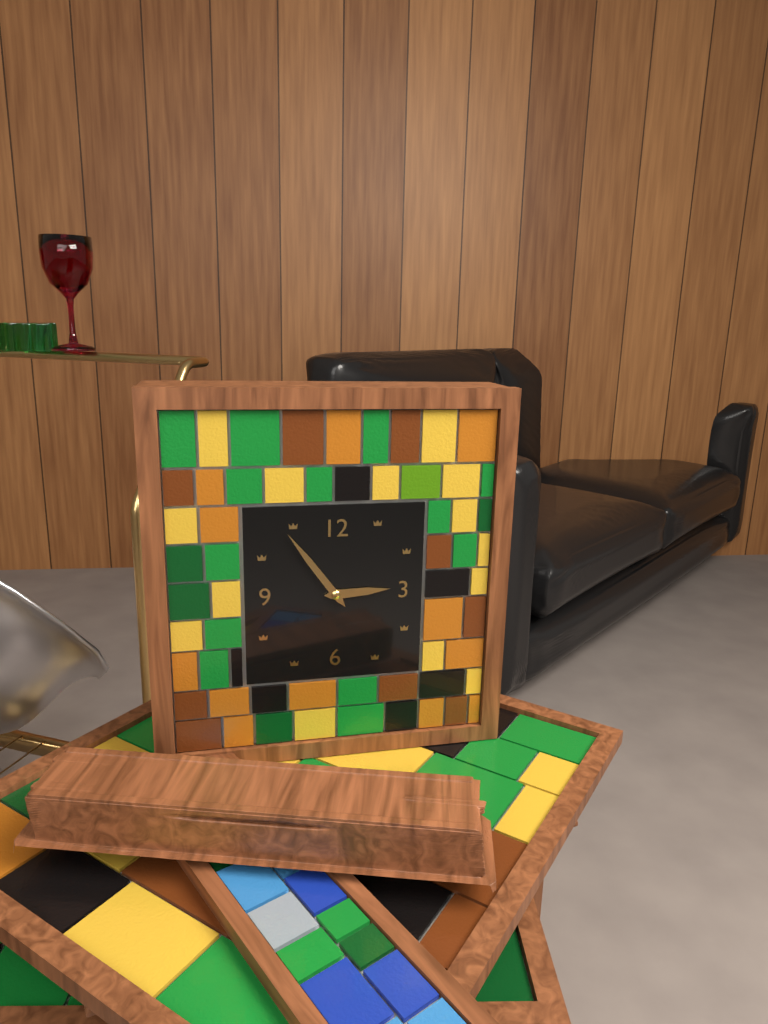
2.54
